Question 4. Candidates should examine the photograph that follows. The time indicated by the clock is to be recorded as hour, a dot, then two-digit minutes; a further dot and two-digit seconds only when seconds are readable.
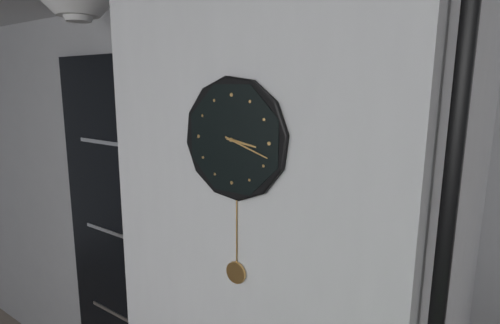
3.18
